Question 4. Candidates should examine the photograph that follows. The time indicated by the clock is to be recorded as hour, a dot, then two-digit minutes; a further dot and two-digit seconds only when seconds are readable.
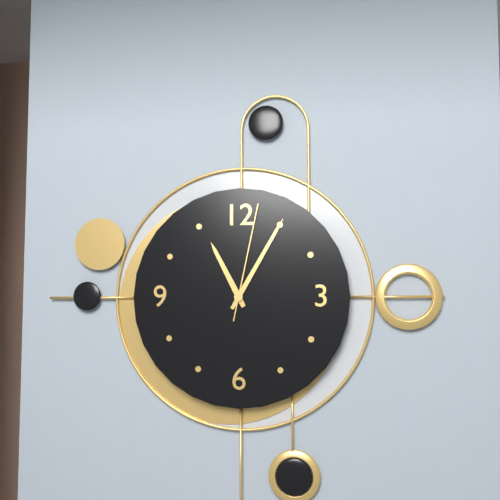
11.05.02
